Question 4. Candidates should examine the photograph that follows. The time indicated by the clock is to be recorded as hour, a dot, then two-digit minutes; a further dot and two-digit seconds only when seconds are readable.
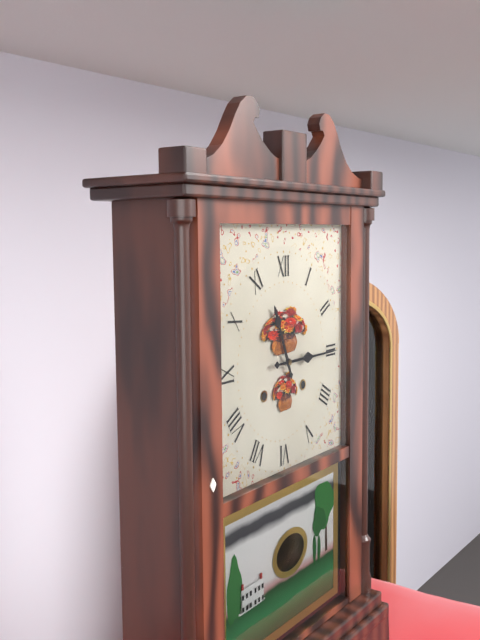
11.15
